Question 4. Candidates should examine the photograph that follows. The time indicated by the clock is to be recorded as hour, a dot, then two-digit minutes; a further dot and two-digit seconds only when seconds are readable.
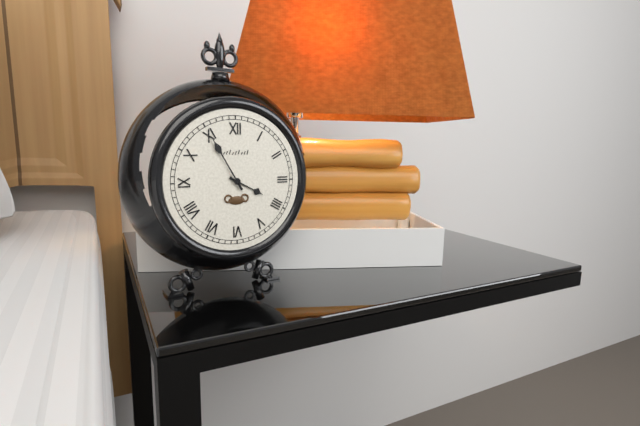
3.55
